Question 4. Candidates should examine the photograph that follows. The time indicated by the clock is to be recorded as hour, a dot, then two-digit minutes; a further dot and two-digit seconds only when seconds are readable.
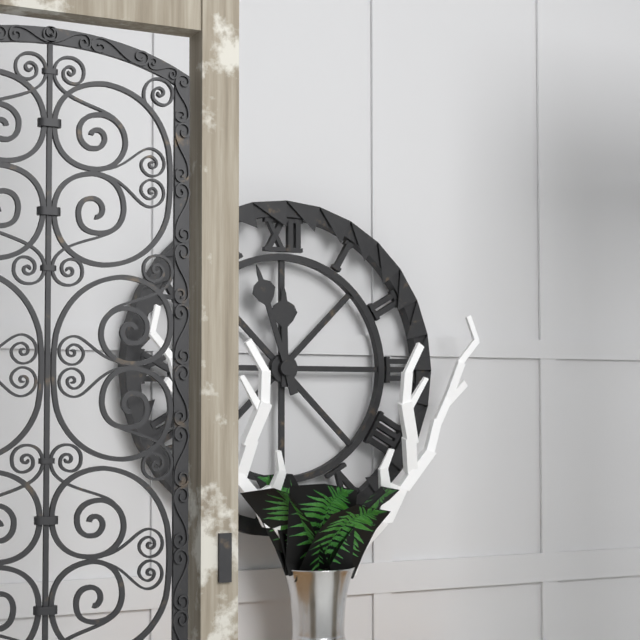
11.57
